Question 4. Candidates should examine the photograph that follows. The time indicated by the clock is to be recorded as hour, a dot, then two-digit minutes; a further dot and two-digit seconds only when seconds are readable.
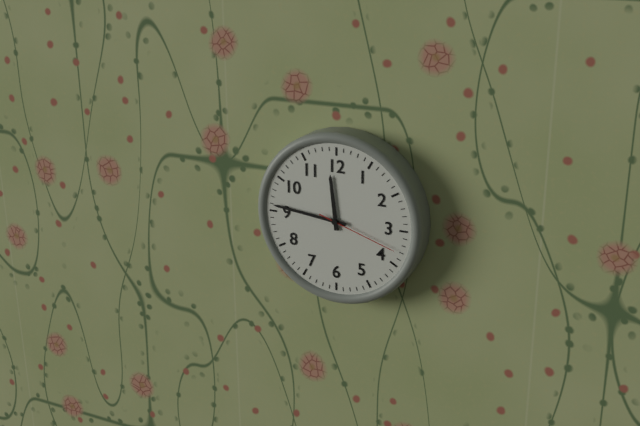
11.46.18
